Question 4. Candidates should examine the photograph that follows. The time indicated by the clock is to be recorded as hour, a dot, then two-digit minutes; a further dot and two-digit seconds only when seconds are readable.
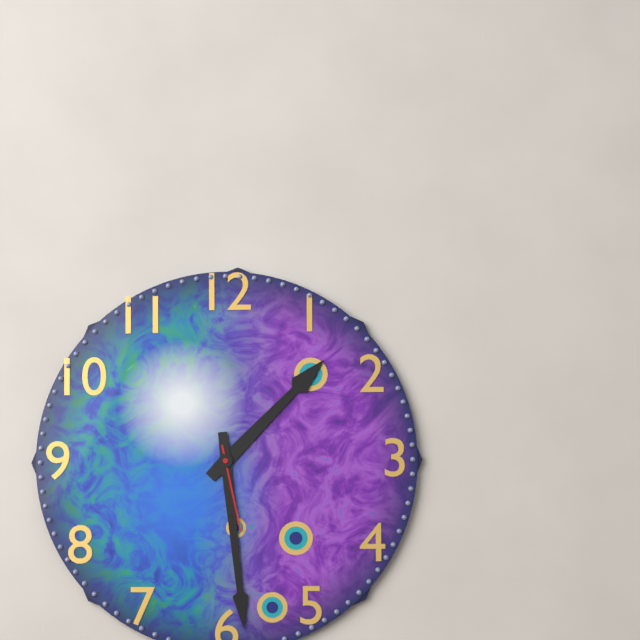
1.29.28
